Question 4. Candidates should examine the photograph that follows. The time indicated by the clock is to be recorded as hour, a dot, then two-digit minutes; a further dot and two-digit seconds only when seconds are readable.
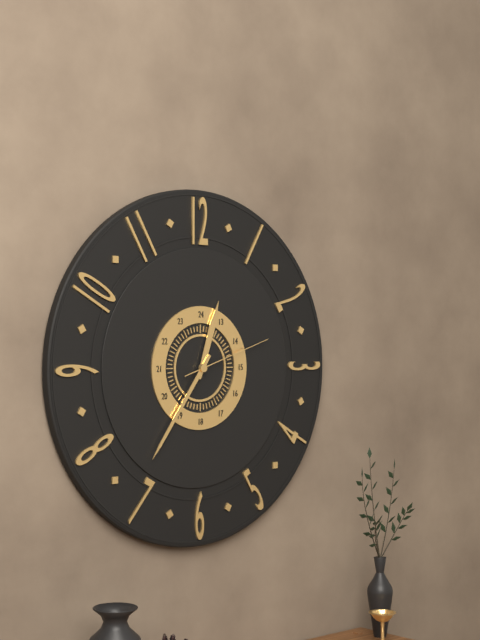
12.36.12
